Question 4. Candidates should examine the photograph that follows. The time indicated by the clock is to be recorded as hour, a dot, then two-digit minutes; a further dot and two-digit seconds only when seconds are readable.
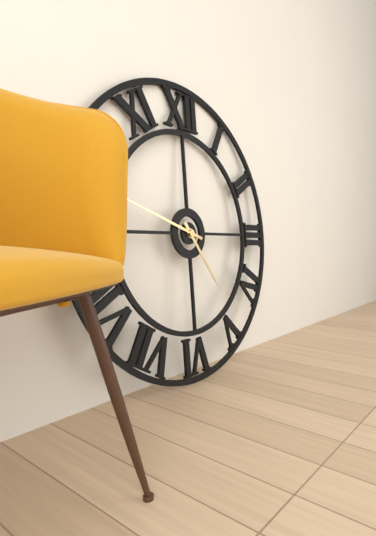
4.48
